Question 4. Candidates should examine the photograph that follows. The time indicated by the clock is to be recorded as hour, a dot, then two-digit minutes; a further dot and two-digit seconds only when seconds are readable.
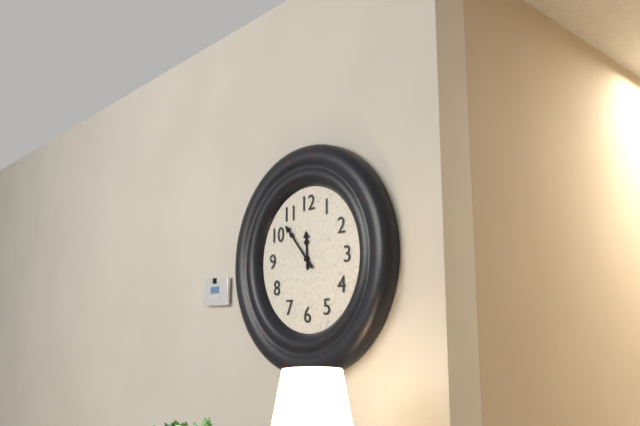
11.53
